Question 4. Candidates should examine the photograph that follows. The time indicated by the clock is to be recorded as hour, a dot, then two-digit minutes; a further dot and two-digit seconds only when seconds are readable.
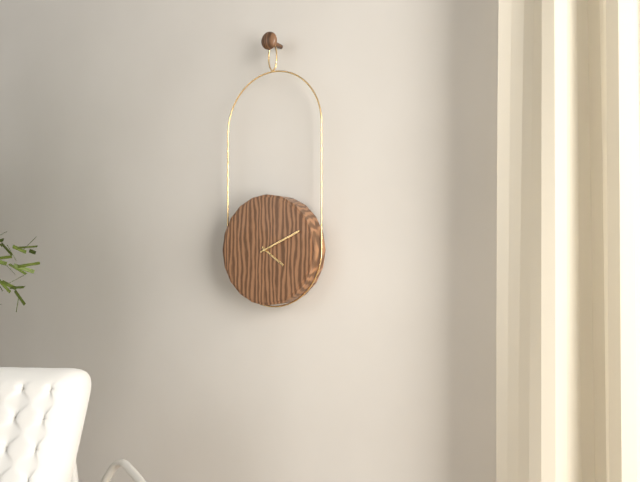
4.11
